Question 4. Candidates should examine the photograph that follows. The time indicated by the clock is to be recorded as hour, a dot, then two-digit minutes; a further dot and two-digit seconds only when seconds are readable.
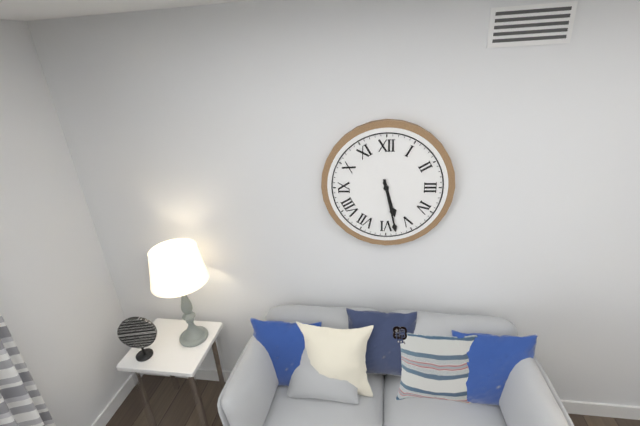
5.28
